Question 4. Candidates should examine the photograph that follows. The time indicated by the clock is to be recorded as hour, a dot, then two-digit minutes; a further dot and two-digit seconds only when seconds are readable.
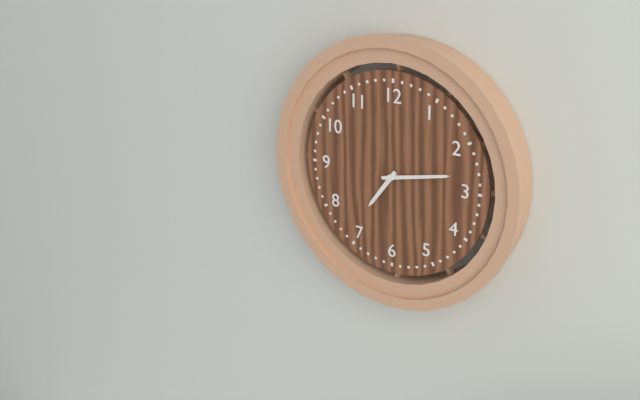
7.13
